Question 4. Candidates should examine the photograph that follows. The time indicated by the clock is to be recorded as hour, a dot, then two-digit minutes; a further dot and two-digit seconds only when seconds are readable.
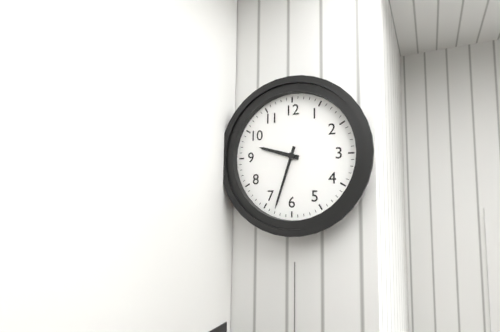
9.33
